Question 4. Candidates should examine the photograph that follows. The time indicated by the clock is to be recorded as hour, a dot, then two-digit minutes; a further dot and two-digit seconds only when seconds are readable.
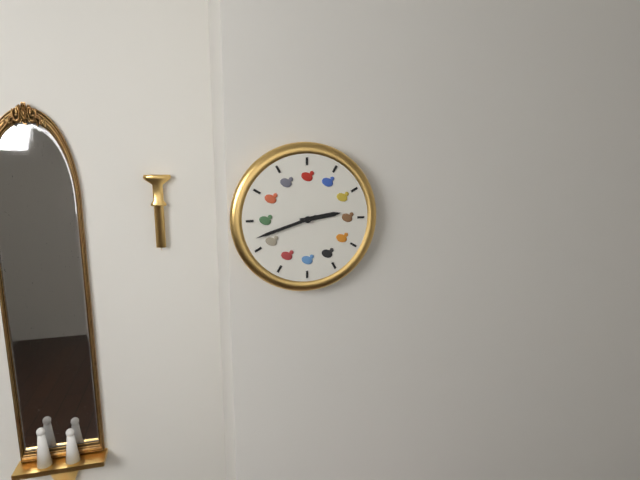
2.42
